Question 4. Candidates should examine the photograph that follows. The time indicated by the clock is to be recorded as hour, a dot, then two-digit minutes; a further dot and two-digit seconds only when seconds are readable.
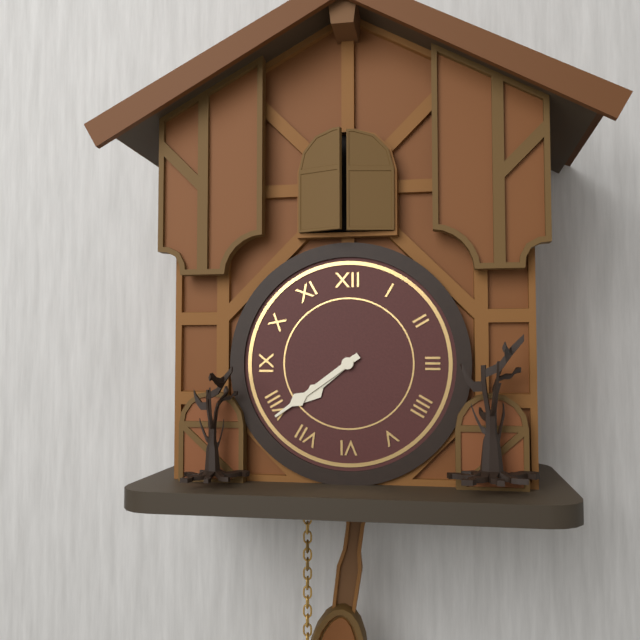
7.39
